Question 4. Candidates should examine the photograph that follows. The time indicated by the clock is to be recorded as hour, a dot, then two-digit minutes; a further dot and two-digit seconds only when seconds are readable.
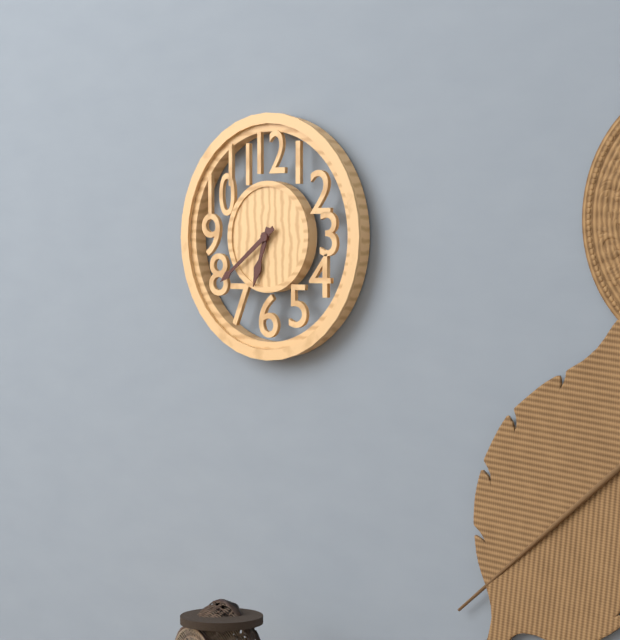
6.39
